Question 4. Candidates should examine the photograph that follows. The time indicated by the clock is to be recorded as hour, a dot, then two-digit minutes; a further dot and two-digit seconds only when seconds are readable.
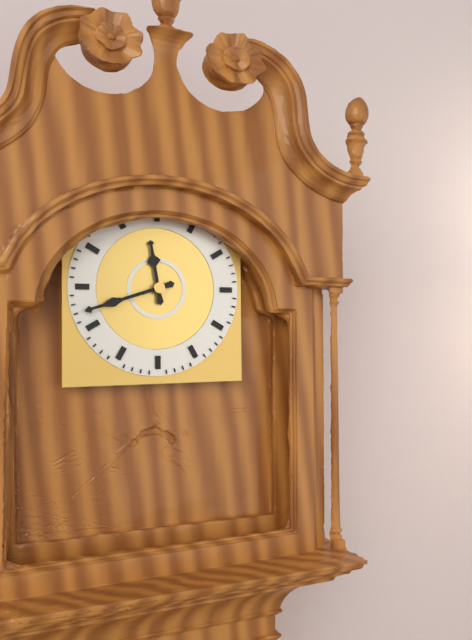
11.42
